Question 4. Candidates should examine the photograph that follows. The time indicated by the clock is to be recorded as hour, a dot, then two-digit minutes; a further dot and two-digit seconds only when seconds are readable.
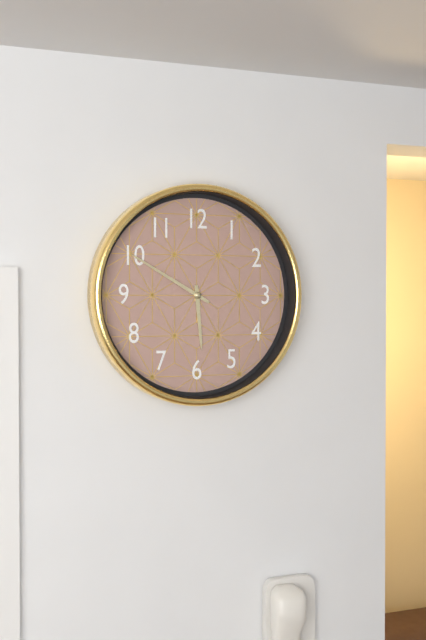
5.50
